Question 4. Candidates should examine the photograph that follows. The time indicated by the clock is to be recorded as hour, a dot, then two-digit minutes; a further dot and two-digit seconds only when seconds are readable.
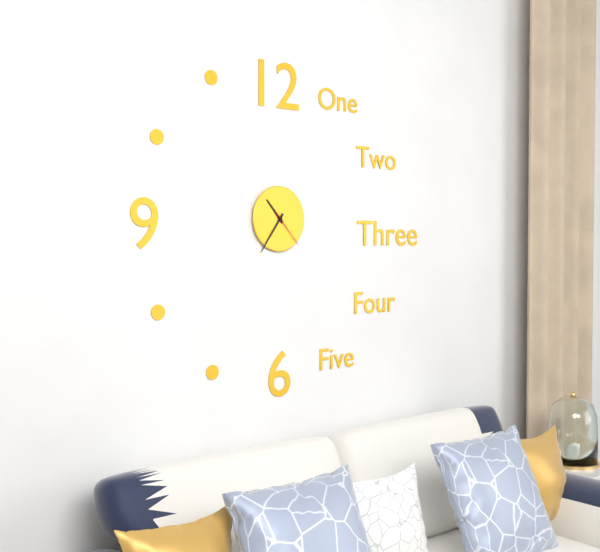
10.36
